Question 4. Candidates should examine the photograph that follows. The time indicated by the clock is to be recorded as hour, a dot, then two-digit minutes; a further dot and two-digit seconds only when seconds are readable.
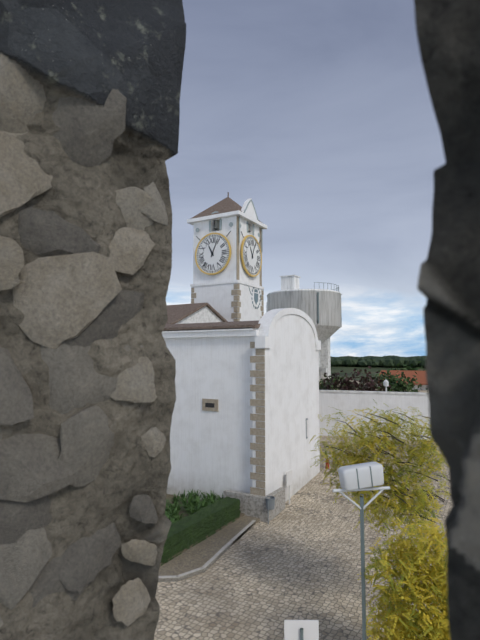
11.04
